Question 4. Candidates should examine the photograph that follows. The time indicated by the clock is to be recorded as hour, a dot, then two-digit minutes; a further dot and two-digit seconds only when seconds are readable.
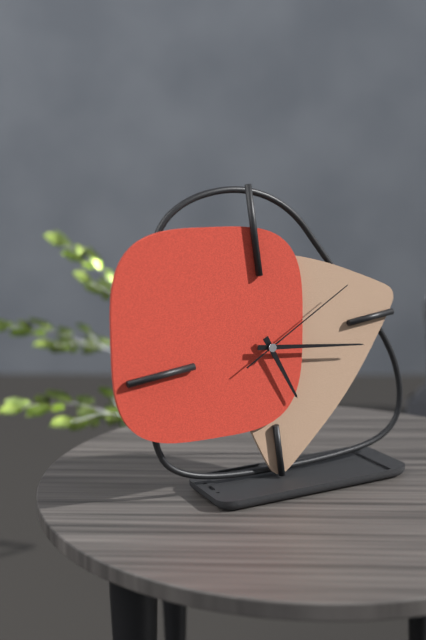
5.17.11
